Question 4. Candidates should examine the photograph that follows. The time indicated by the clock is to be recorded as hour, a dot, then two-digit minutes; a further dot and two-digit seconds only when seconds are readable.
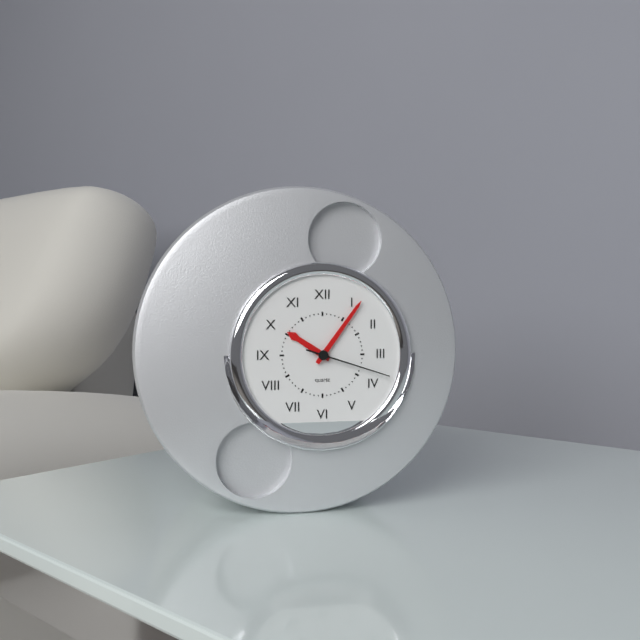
10.06.18
